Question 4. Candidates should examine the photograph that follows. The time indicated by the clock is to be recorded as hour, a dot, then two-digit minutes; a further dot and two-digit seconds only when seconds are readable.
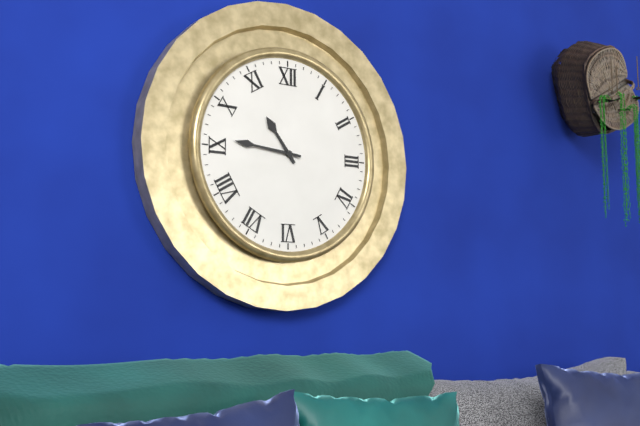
10.46
